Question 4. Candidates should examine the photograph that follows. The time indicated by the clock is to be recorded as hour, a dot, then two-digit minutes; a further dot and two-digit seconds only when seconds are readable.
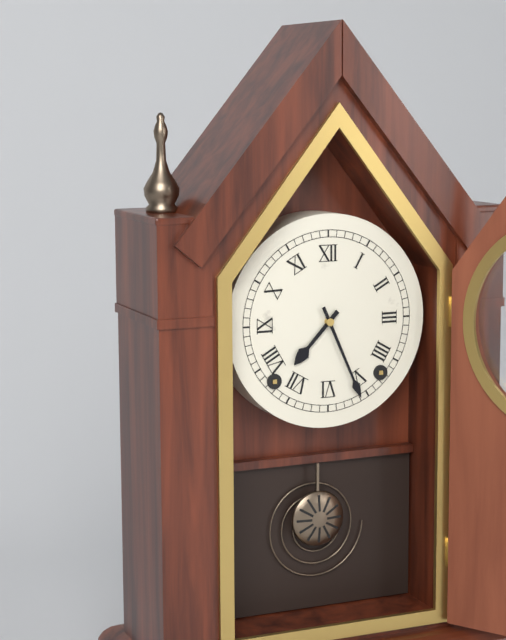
7.26
